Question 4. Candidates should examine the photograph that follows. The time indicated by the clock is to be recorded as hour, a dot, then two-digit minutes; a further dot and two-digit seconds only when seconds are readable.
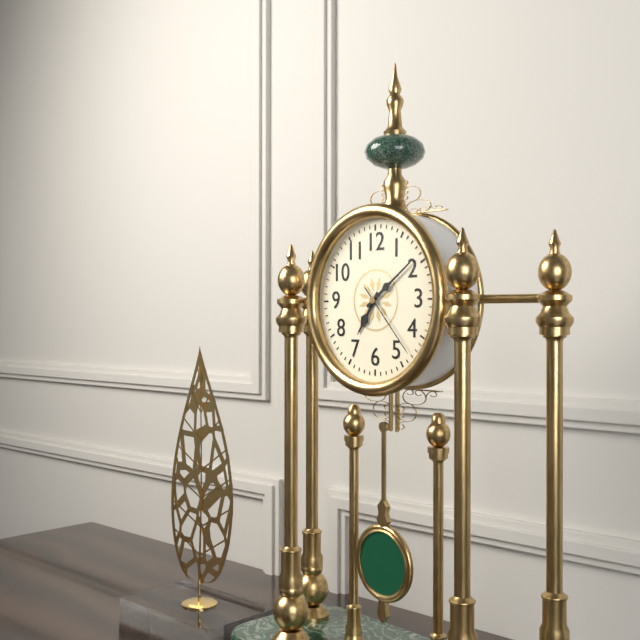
7.09.23
